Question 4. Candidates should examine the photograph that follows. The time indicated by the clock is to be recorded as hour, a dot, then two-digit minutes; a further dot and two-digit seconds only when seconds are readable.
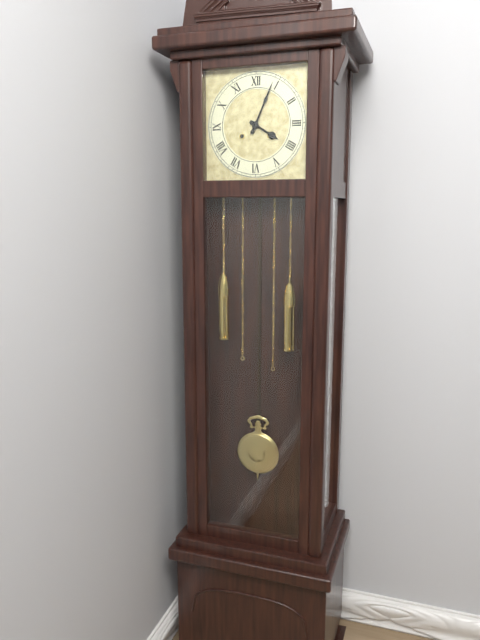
4.04
